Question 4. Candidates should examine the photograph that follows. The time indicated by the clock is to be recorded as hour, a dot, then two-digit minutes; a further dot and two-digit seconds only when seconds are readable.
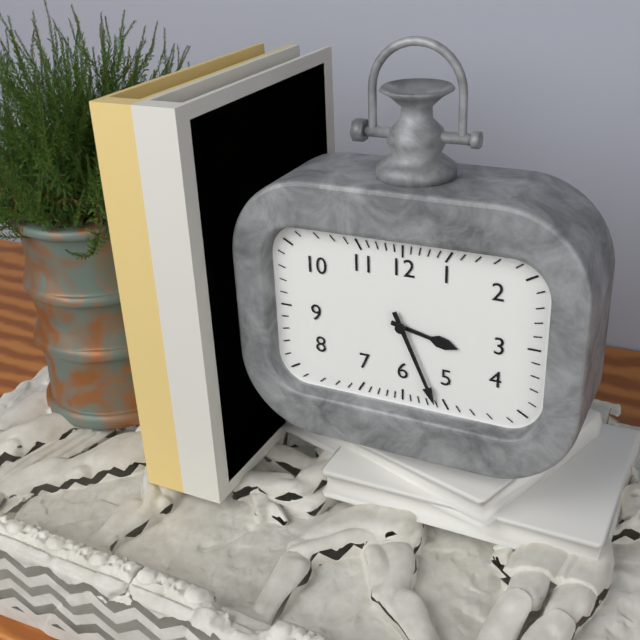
3.26
